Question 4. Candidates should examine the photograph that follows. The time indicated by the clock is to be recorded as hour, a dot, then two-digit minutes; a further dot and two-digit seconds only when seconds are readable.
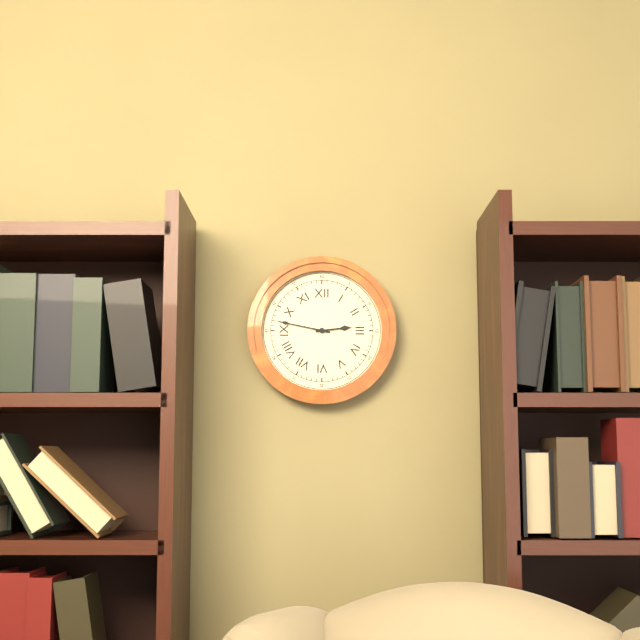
2.47
